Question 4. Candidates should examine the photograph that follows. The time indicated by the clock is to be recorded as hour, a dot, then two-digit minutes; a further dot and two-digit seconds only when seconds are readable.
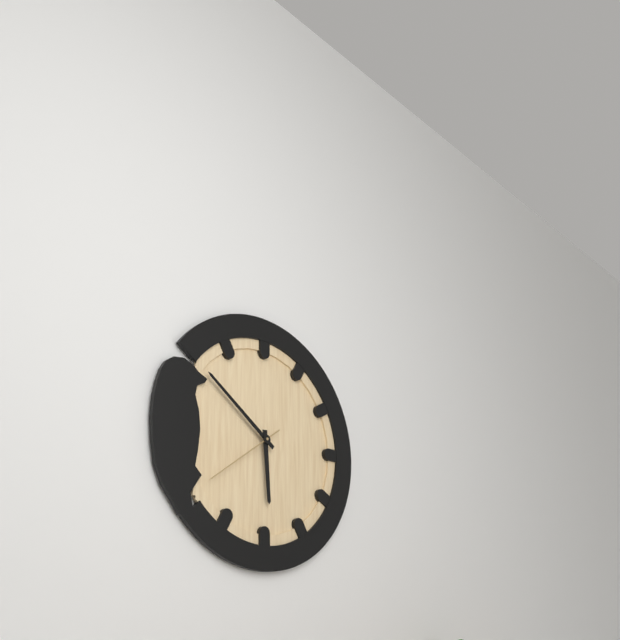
5.51.39
